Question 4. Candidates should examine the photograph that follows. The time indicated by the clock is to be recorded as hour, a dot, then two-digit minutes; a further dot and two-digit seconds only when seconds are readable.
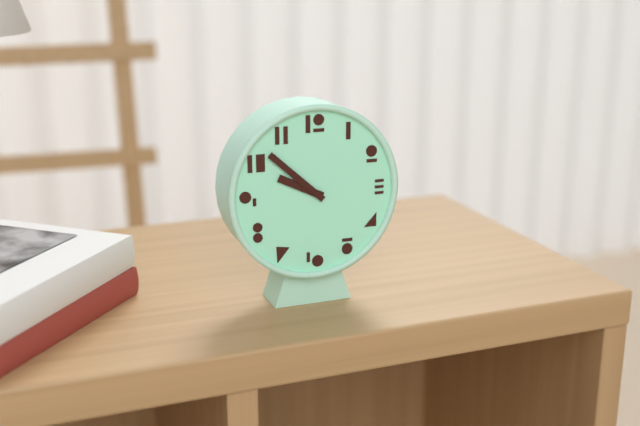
9.52
